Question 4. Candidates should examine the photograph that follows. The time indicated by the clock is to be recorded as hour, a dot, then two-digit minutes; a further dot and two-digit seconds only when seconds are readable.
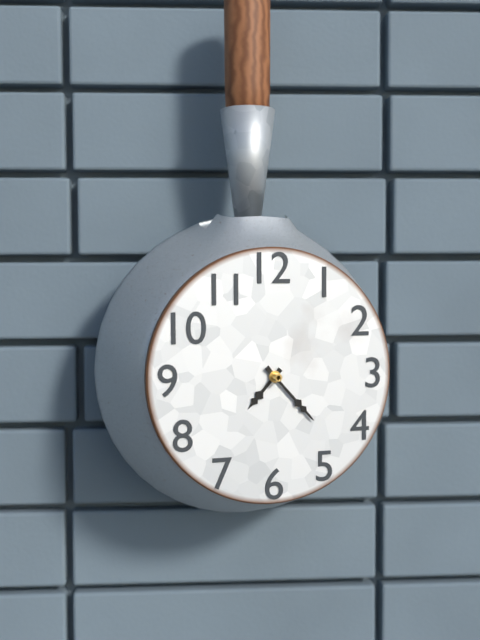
7.23
